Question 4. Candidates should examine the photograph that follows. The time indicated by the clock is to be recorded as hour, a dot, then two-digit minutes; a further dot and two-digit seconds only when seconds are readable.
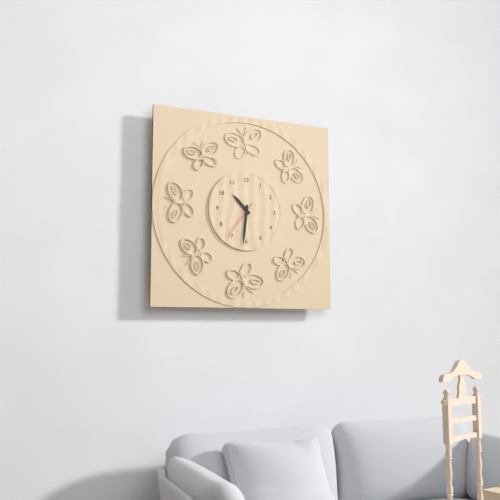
10.31
